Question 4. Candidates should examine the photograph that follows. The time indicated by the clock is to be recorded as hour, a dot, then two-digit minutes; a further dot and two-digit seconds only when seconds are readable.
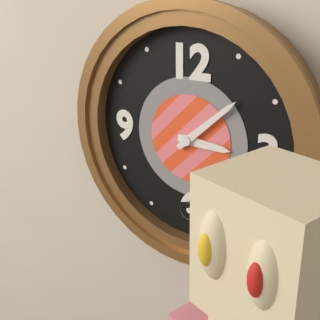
3.08
